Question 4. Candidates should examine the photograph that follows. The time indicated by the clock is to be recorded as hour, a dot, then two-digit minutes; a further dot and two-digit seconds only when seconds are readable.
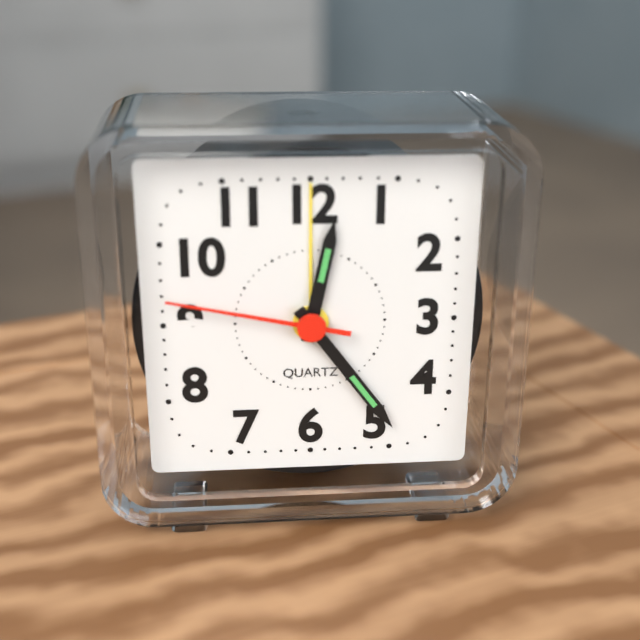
12.24.47
